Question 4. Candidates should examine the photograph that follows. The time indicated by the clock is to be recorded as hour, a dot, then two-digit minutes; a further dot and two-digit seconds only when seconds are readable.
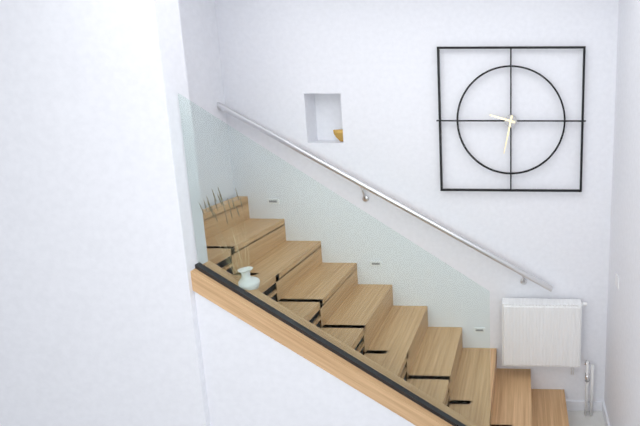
9.32
